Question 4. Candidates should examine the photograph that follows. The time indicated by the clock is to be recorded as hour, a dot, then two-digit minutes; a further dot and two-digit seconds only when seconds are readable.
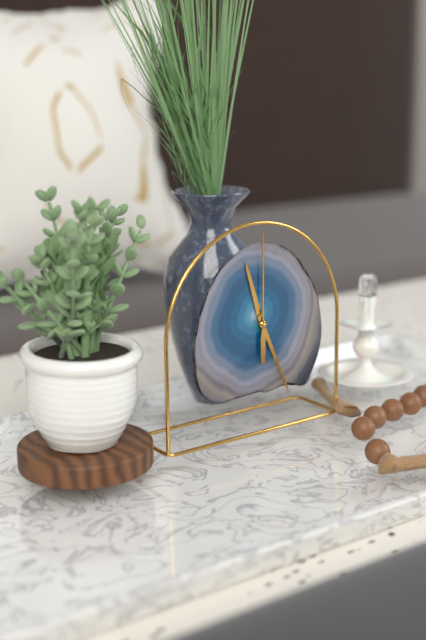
11.26.00
